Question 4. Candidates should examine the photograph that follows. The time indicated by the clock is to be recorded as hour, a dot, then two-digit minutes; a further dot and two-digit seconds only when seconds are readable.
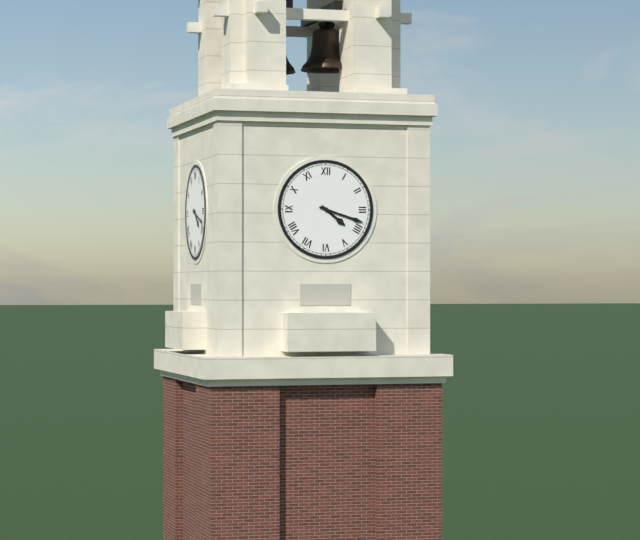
4.18
